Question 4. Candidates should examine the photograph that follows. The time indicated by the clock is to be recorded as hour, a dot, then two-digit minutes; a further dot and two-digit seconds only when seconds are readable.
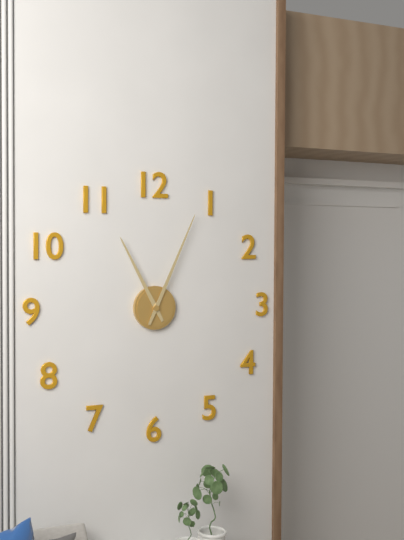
11.04
